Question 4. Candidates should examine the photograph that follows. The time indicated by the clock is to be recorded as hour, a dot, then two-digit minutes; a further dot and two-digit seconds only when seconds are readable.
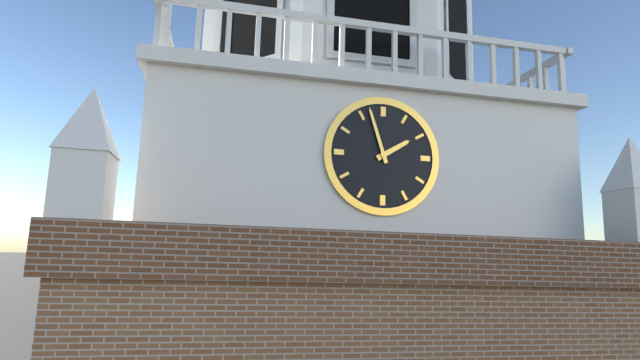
1.57
